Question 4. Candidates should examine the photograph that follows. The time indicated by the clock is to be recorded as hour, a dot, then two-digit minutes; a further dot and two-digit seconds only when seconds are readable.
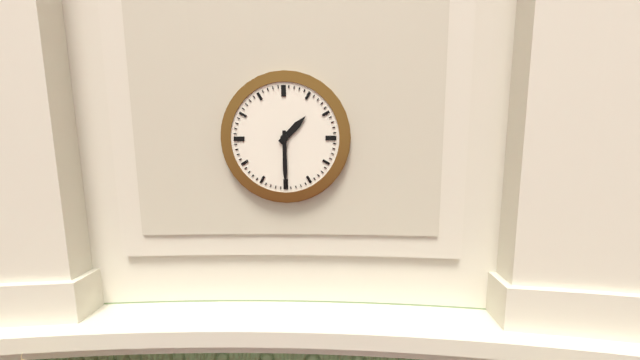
1.30
